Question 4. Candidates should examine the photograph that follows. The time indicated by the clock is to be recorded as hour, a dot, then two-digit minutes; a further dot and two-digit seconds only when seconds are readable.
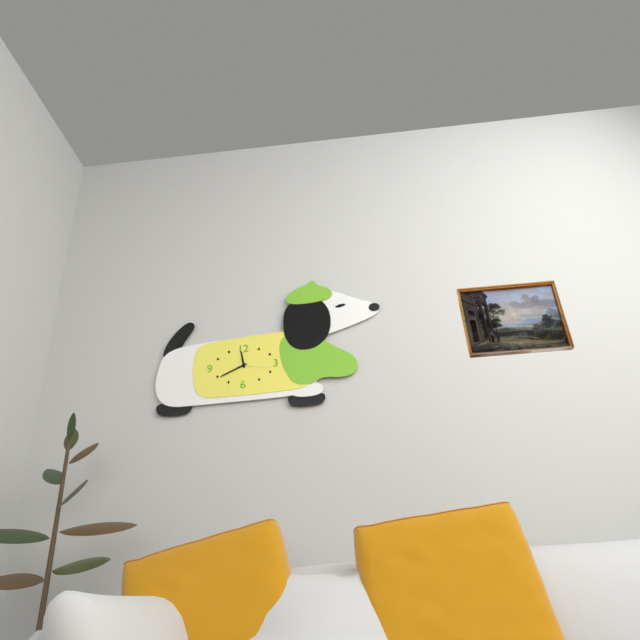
11.41
